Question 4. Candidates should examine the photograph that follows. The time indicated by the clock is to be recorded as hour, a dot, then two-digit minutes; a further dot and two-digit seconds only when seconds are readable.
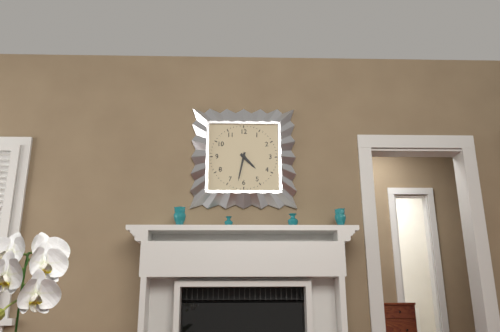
4.32
